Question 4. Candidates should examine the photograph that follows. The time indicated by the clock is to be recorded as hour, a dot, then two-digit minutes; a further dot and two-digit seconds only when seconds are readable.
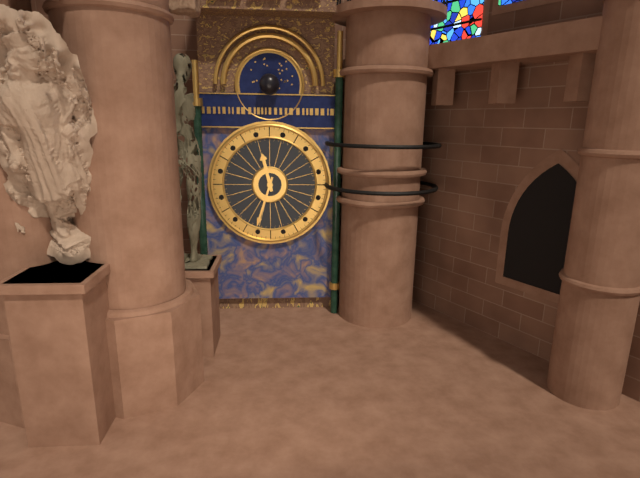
11.33
